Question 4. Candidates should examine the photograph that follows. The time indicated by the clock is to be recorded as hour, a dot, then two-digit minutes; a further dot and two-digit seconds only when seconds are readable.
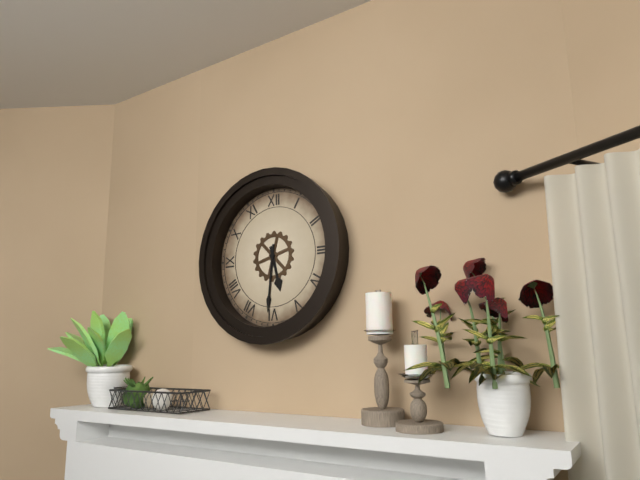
5.31
